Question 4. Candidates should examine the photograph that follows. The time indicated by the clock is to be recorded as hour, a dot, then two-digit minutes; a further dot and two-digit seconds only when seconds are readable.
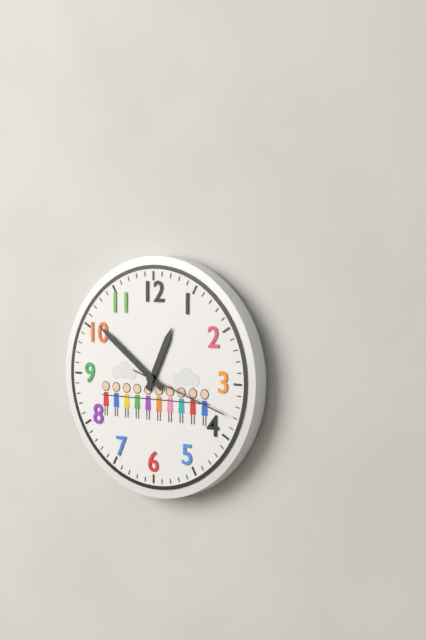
12.51.18
